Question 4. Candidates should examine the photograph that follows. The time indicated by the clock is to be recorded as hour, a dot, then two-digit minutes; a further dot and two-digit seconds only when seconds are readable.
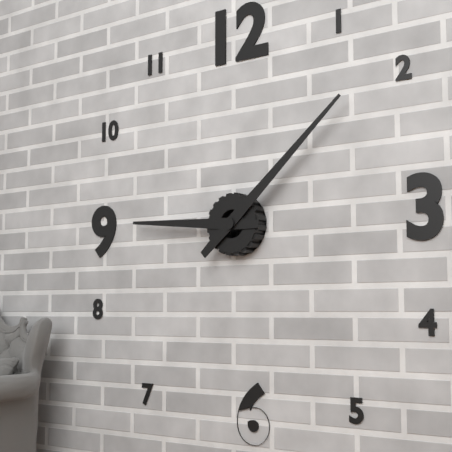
9.08
